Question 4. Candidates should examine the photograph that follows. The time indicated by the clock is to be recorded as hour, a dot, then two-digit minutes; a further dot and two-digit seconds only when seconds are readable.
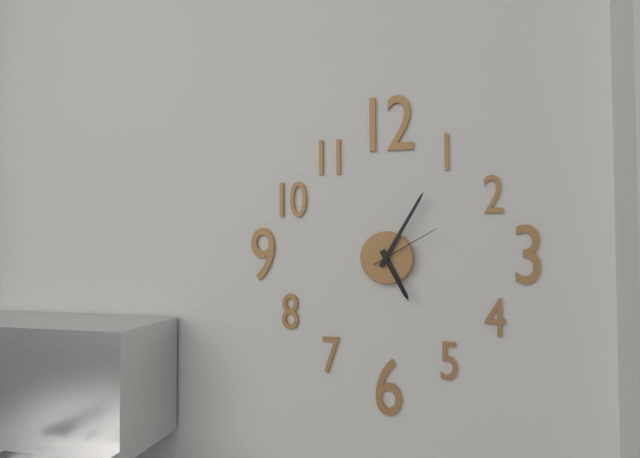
5.05.10
